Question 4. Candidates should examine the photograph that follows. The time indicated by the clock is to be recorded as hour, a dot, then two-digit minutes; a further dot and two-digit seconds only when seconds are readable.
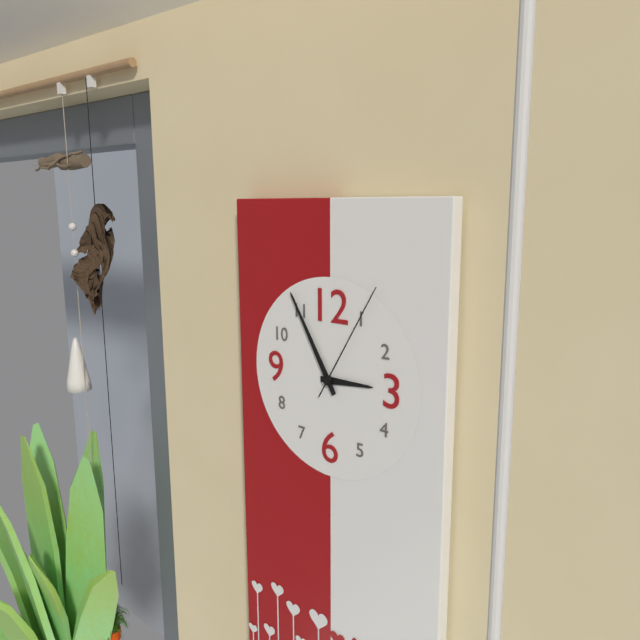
2.55.05
